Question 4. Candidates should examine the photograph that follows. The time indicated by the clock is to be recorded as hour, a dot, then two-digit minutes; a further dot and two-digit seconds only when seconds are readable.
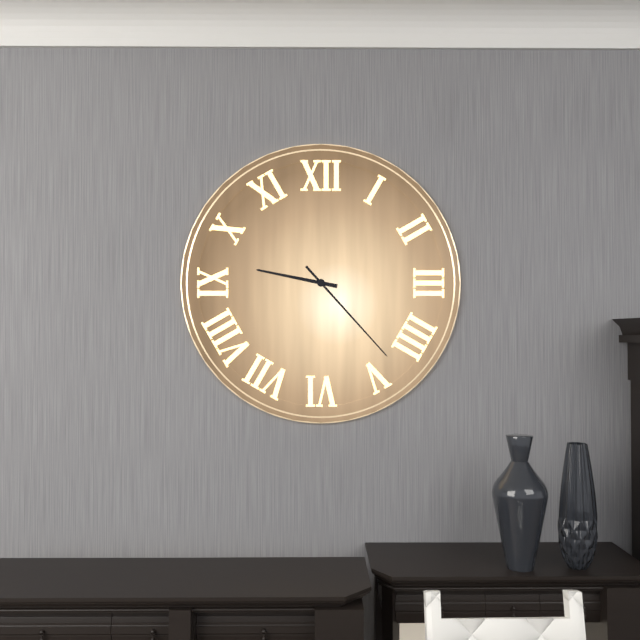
9.23
